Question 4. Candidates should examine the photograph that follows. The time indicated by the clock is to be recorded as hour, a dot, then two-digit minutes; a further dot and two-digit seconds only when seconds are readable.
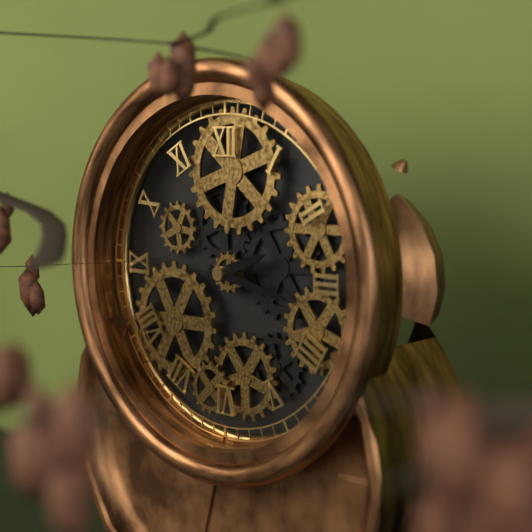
2.17
